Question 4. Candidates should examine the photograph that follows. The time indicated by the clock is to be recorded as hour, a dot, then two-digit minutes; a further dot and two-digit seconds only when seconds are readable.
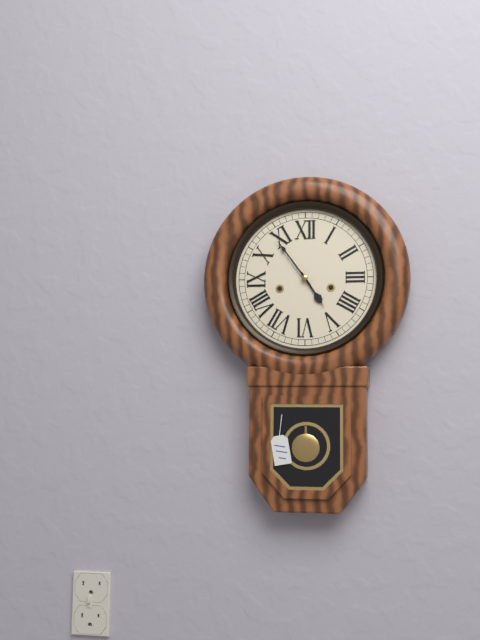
4.54
